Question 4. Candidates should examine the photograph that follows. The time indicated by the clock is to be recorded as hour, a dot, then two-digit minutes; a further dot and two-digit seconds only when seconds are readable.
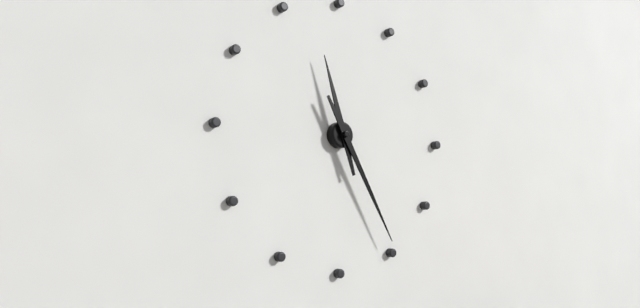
11.25
